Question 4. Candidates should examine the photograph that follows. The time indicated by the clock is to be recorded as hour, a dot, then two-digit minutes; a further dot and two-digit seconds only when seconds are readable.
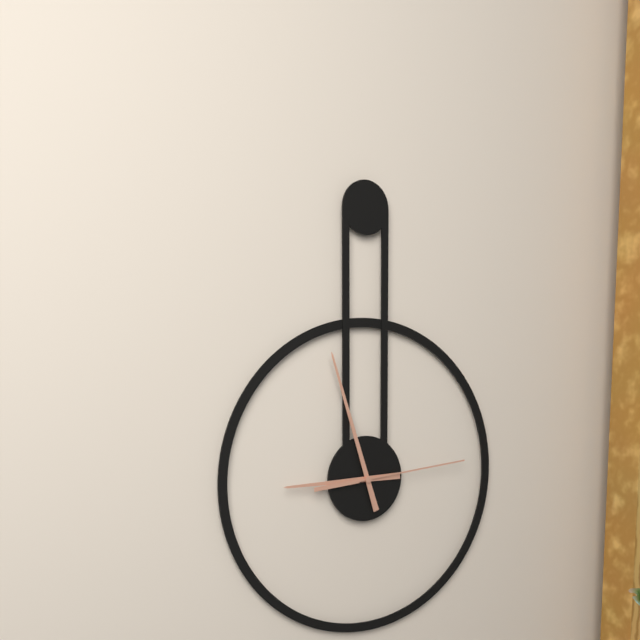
8.57.14
